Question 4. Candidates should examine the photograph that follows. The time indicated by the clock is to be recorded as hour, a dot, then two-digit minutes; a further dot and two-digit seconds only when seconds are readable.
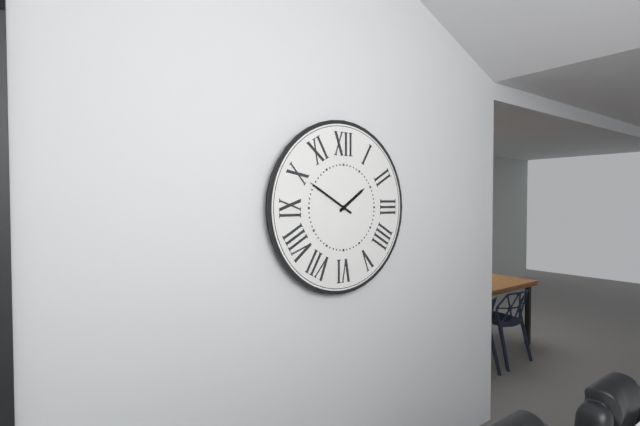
1.50
